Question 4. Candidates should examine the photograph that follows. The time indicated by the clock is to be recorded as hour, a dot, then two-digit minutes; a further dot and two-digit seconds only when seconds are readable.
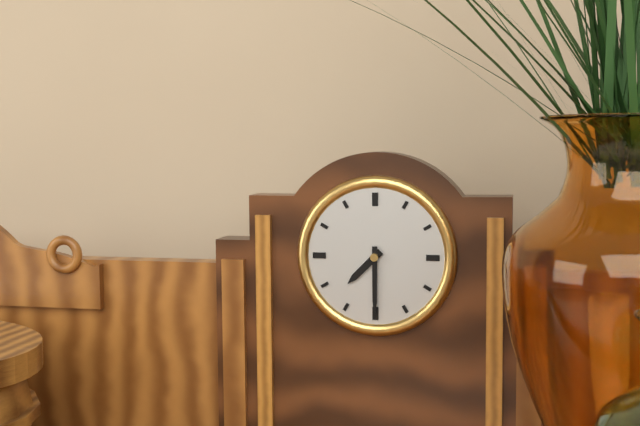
7.30
